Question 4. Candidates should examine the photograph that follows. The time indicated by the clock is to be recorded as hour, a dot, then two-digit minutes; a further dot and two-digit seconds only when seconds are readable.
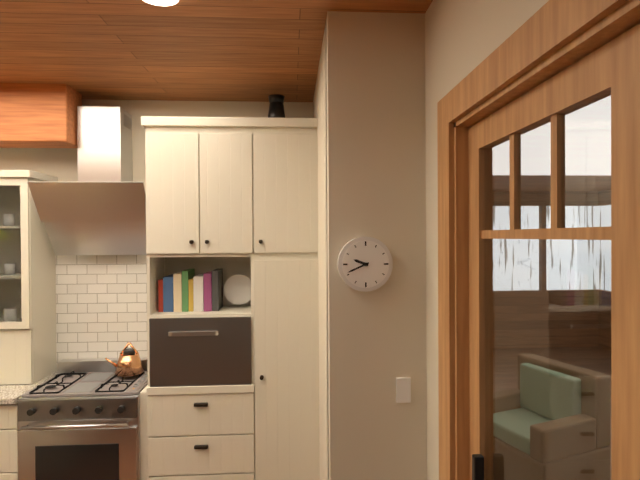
9.41
